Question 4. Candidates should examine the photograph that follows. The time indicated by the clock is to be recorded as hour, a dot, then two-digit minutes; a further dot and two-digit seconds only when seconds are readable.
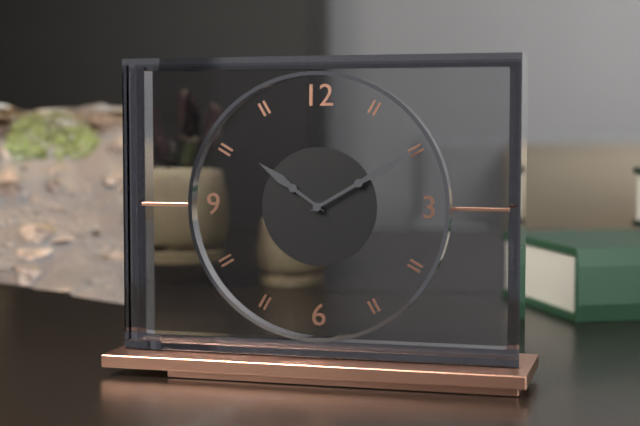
10.10
